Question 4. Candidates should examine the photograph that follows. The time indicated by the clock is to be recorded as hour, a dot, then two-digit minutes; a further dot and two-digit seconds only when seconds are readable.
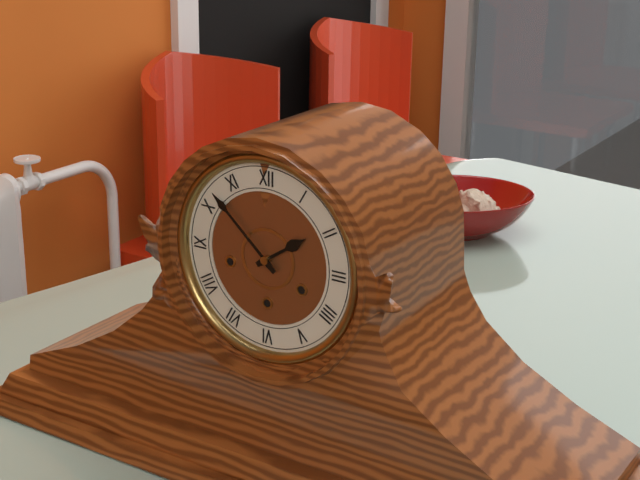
1.52
